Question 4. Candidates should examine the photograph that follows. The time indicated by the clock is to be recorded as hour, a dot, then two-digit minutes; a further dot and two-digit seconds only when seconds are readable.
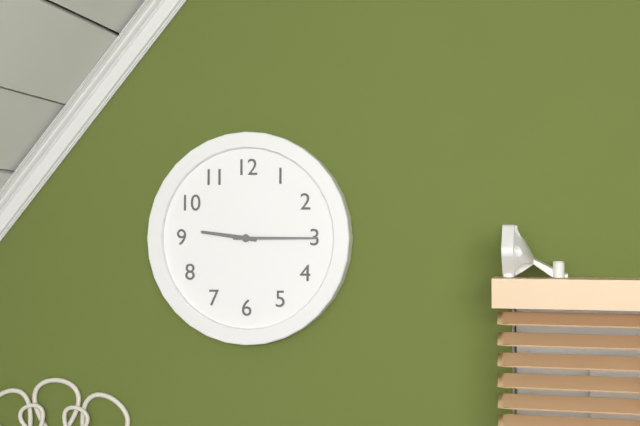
9.15
